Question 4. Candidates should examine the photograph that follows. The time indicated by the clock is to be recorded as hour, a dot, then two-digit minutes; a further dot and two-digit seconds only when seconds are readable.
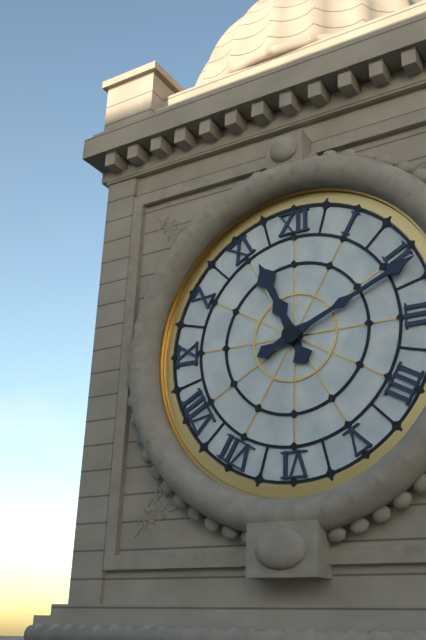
11.11
